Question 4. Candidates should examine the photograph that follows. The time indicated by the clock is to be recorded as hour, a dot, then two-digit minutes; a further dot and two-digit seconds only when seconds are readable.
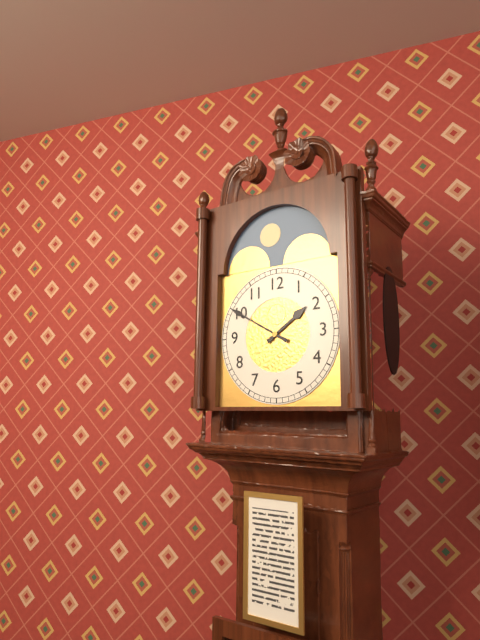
1.50
